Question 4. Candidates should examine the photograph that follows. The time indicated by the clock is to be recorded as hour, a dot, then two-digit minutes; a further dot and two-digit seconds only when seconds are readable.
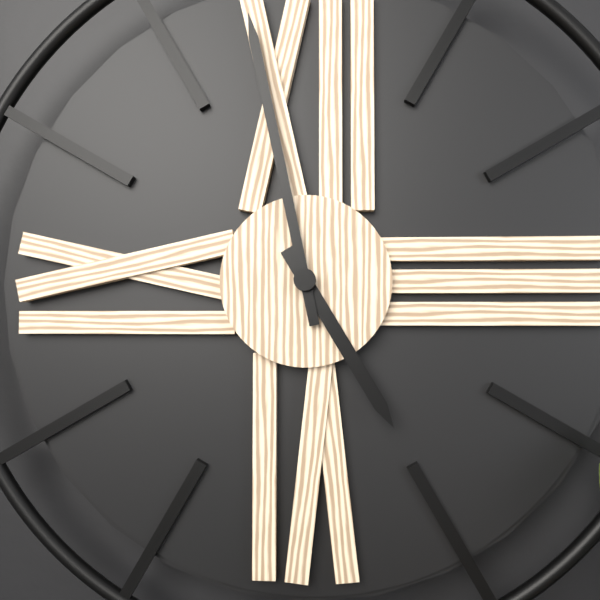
4.58
